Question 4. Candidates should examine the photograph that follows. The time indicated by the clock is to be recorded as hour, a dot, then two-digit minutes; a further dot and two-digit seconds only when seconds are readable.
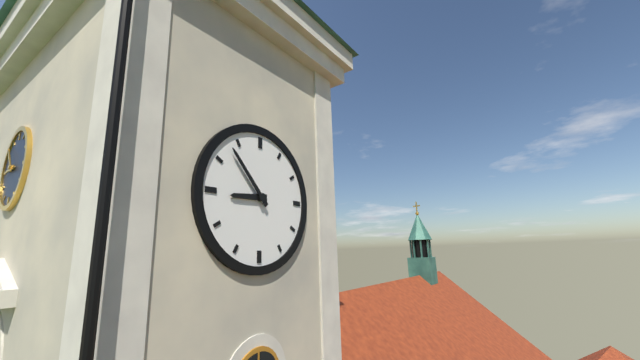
8.53
